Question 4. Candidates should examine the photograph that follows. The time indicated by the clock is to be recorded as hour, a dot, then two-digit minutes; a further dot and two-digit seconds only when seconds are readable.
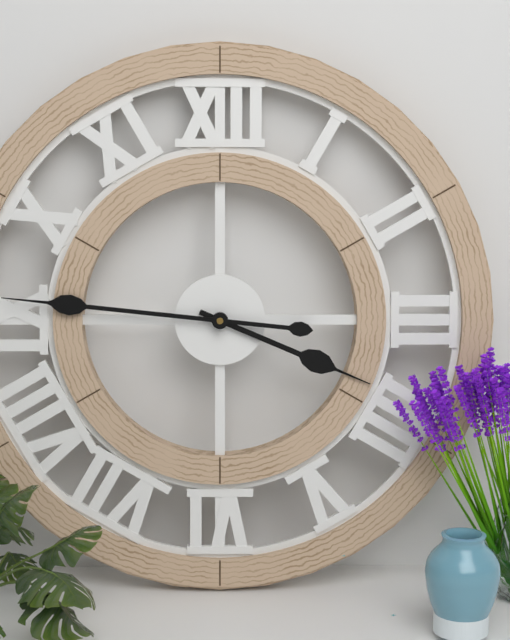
3.46
